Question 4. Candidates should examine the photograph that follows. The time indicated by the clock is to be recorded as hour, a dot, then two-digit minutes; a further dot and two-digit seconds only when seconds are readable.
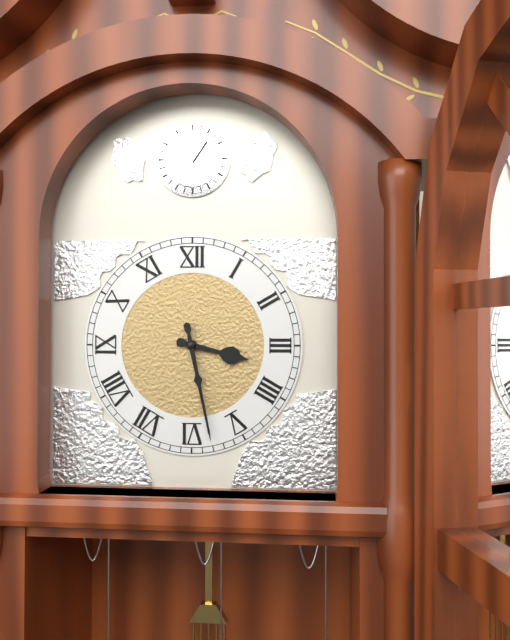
3.28
